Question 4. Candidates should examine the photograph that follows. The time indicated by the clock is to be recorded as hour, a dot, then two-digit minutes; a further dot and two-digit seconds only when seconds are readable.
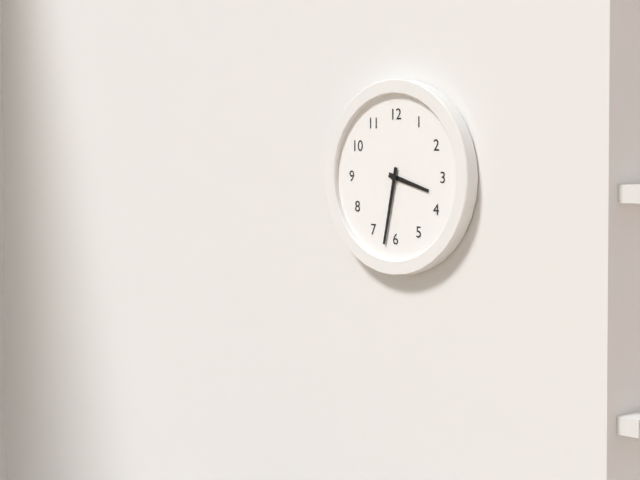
3.32
